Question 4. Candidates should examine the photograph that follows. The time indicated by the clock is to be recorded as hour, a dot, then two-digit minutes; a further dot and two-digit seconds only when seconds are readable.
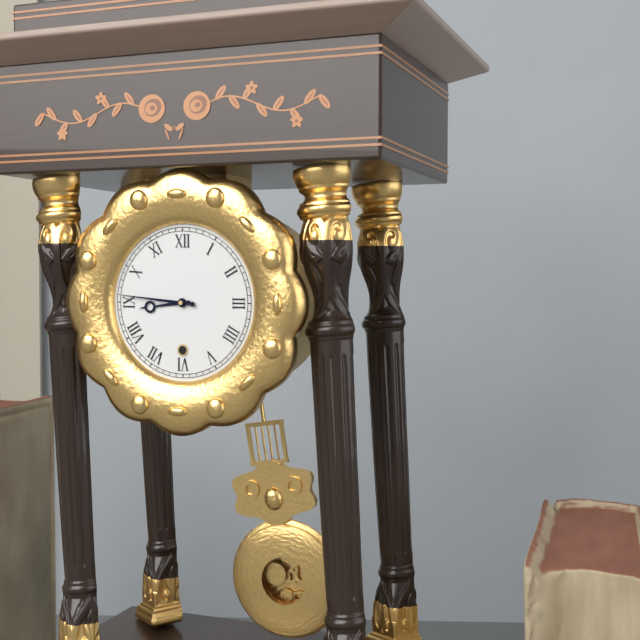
8.46
